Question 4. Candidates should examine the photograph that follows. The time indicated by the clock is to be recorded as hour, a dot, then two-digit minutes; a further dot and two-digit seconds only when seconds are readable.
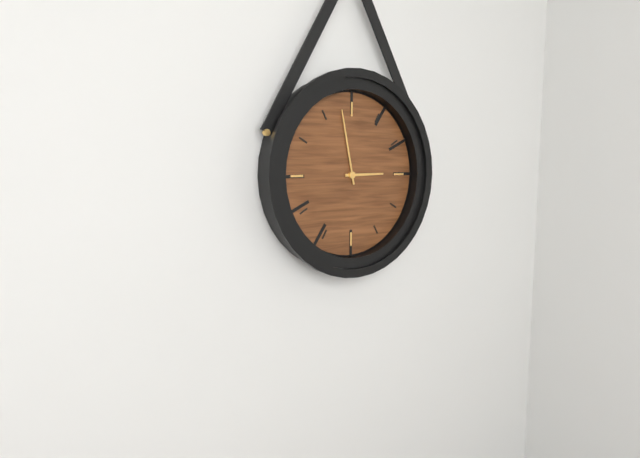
2.58
